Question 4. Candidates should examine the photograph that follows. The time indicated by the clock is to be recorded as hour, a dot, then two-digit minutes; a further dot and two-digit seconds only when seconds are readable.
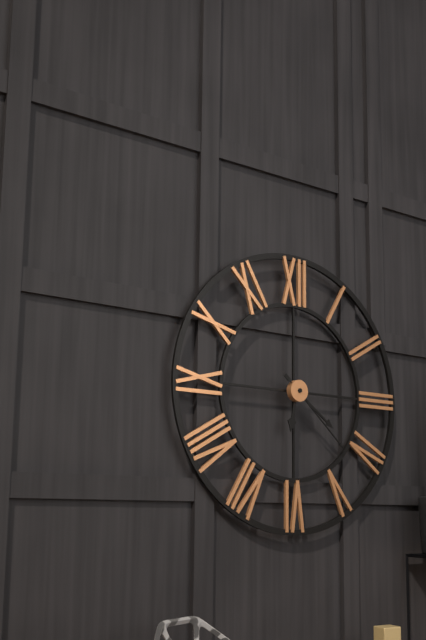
6.21.22
